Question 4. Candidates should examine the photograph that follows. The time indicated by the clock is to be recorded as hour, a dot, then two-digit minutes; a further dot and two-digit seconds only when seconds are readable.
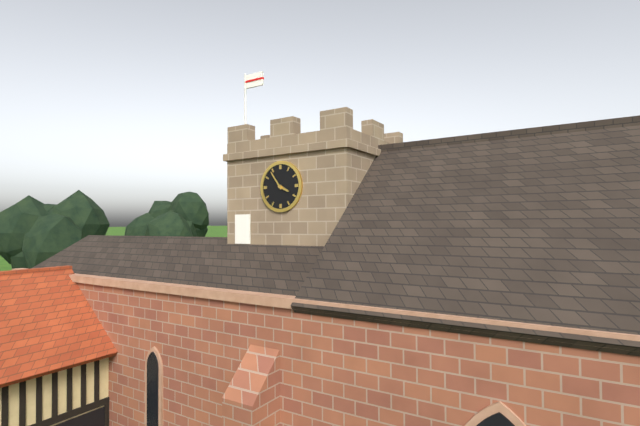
3.54
